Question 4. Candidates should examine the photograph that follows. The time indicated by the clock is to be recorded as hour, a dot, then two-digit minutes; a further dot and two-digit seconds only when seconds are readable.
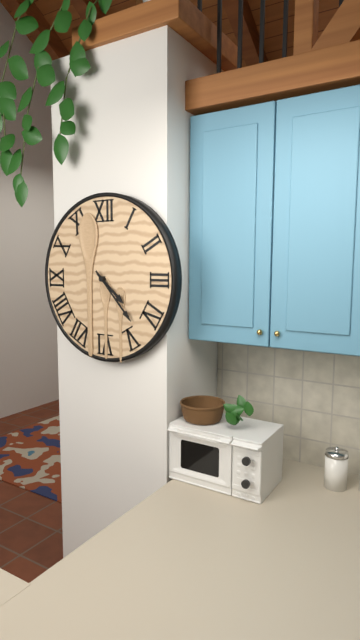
4.23
